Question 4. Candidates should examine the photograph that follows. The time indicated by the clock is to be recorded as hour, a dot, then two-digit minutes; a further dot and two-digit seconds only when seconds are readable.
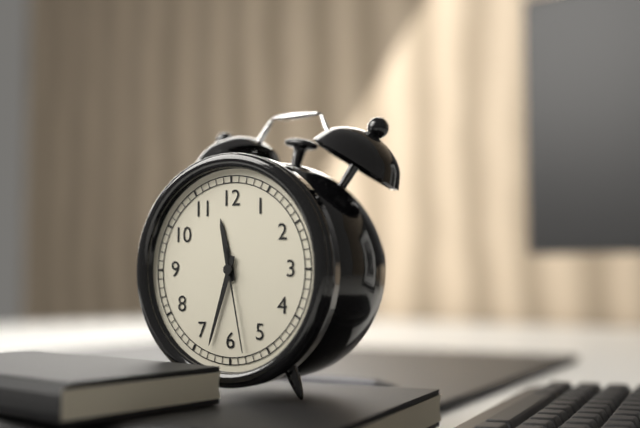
11.33.28
